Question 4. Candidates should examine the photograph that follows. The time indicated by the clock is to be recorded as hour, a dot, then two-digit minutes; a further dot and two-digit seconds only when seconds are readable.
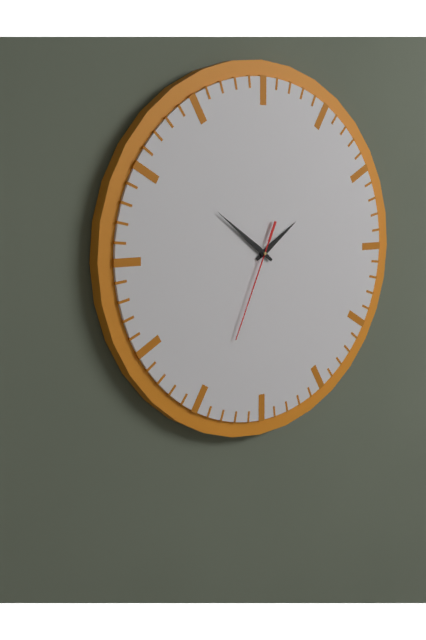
1.51.34
